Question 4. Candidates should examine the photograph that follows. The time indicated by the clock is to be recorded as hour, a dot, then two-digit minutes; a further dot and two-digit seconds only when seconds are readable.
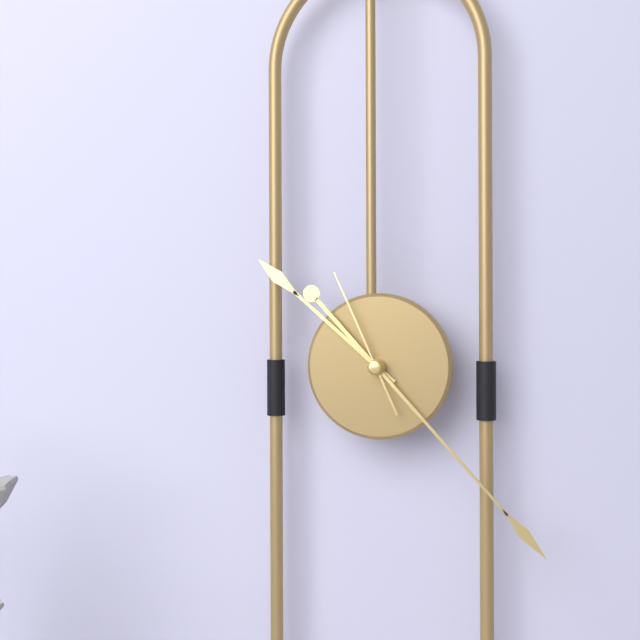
10.23.56
